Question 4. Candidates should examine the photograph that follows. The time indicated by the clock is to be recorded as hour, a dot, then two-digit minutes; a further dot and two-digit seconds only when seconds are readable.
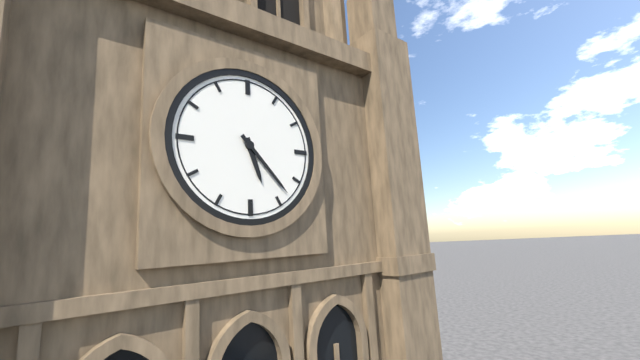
5.23
